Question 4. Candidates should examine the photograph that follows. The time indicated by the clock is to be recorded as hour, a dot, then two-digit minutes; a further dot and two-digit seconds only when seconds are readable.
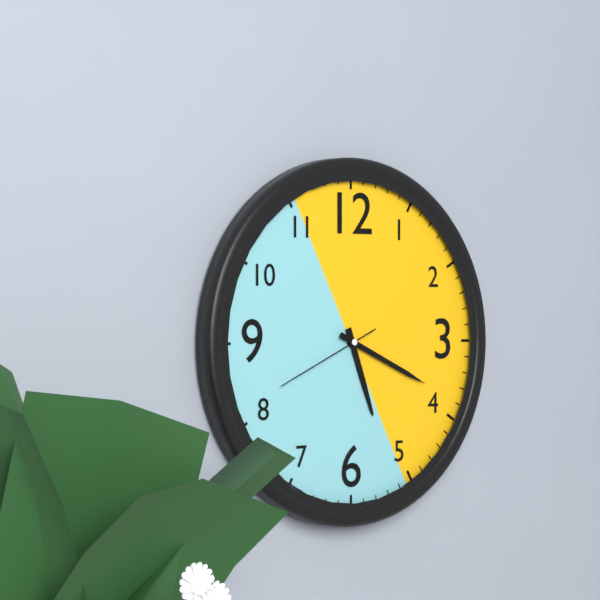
5.19.41
